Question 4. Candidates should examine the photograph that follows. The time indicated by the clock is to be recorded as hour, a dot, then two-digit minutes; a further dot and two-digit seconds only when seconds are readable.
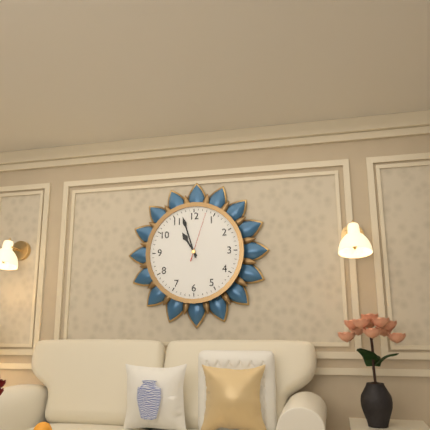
10.57.03
